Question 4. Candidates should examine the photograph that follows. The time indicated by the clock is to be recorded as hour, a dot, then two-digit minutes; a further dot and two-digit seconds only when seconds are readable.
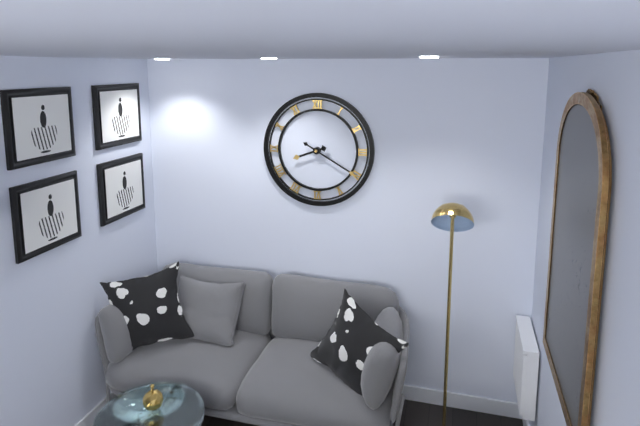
8.20
